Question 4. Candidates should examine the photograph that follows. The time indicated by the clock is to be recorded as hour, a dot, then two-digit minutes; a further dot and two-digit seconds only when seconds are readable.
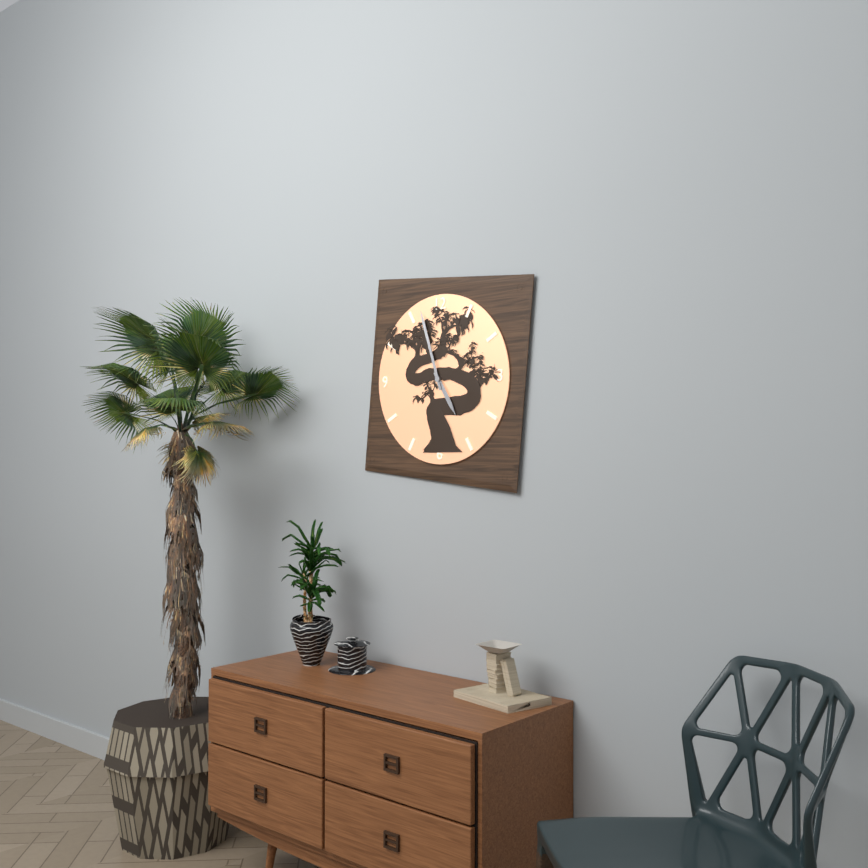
4.57
